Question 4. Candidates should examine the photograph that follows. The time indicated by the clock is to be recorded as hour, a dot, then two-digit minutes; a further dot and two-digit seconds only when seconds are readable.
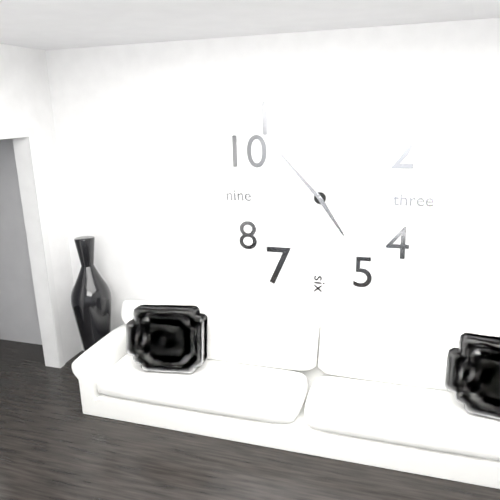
4.53
